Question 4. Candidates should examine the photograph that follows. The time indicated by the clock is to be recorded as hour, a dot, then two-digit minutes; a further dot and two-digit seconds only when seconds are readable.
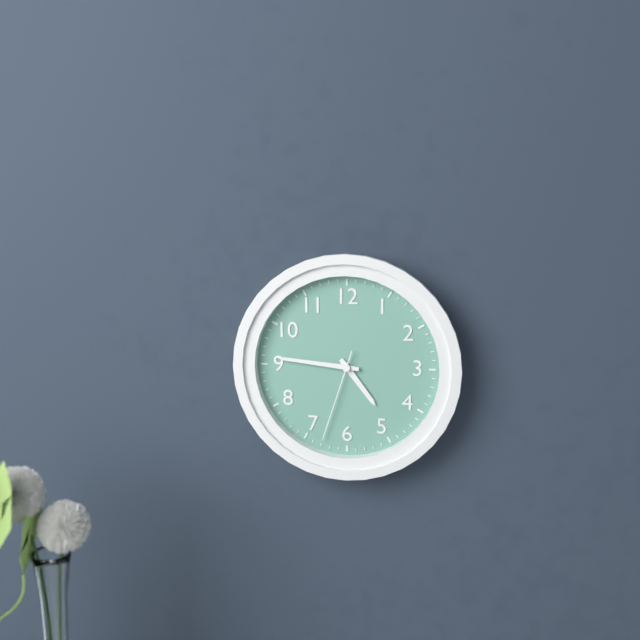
4.46.33
